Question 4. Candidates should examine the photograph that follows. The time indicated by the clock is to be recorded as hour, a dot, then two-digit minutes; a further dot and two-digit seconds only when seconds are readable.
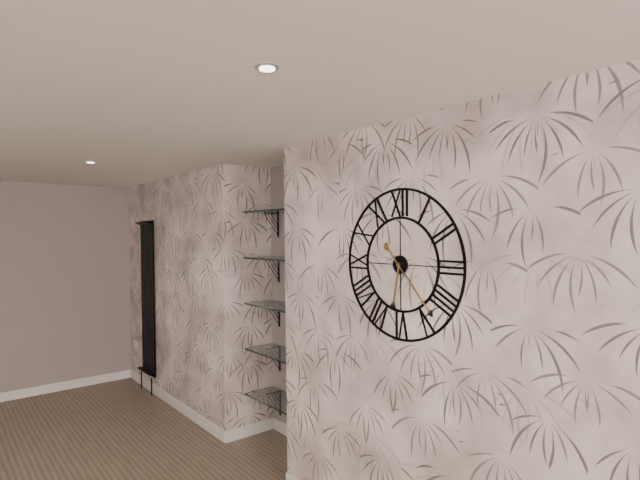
6.23
